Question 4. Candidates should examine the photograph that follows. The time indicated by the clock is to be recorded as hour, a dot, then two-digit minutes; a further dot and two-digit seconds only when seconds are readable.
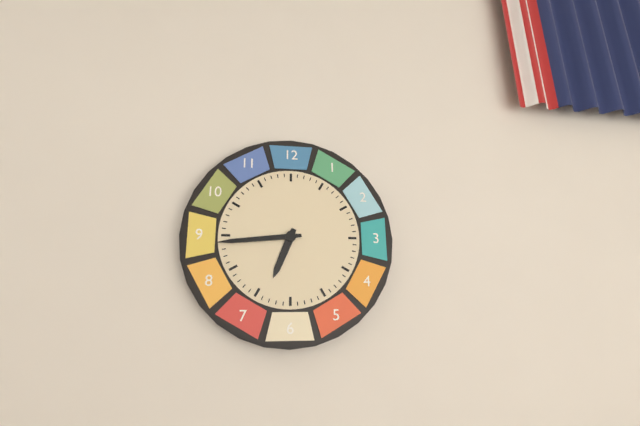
6.44
